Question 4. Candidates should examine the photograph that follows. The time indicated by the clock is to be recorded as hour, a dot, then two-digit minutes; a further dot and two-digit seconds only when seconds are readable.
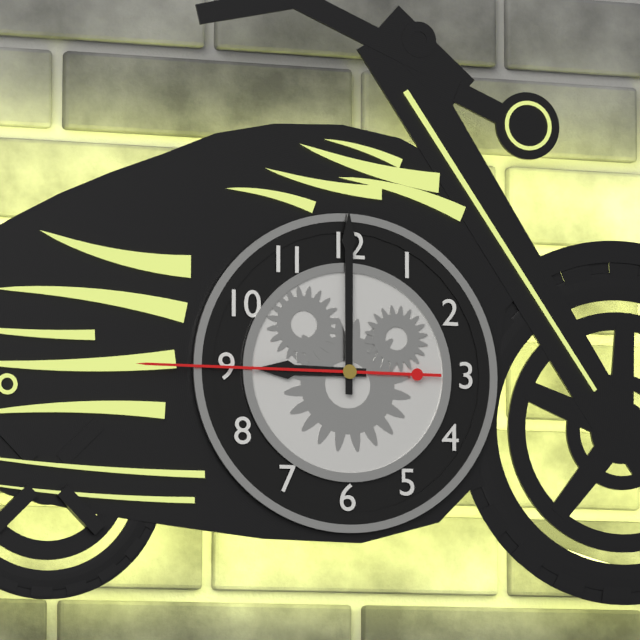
9.00.45
